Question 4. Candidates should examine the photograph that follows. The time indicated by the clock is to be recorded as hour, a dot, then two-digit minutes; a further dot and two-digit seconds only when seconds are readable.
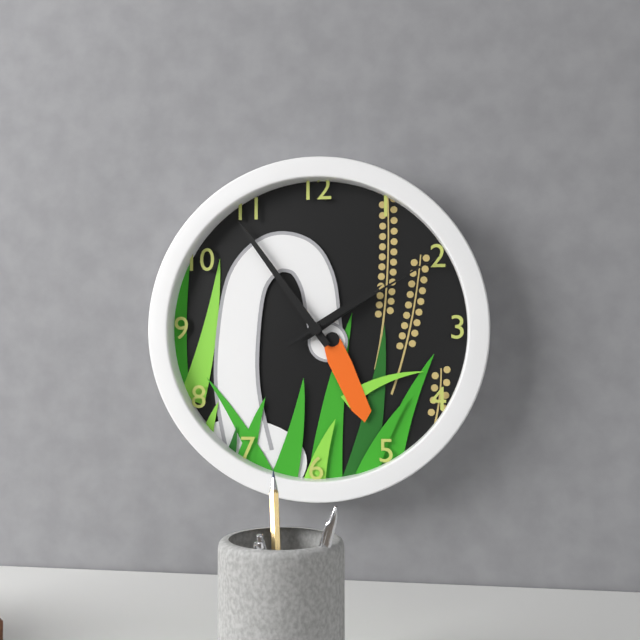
1.54.10
